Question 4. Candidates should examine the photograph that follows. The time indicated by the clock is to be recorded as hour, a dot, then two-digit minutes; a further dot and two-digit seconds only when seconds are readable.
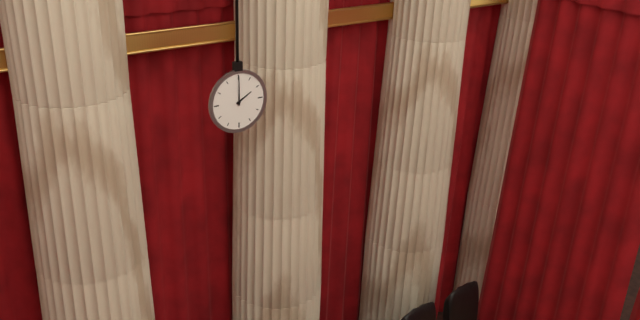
2.00
